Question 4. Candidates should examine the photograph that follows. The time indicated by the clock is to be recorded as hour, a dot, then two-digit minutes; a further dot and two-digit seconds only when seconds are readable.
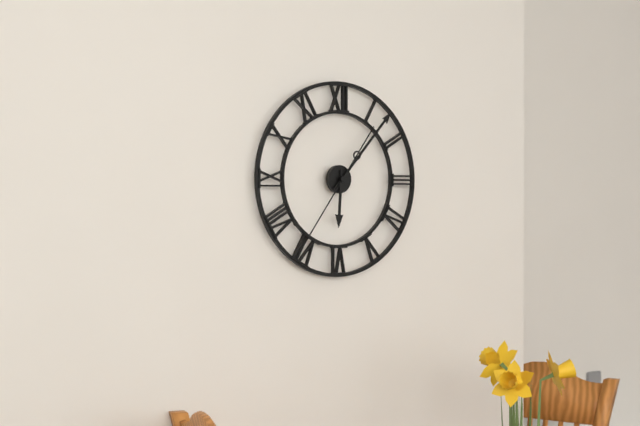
6.07.36
